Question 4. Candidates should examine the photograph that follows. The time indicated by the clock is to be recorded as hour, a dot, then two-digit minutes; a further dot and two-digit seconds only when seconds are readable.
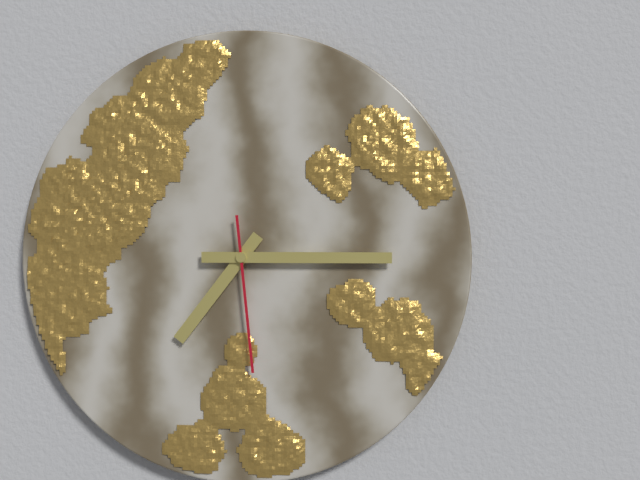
7.15.29
